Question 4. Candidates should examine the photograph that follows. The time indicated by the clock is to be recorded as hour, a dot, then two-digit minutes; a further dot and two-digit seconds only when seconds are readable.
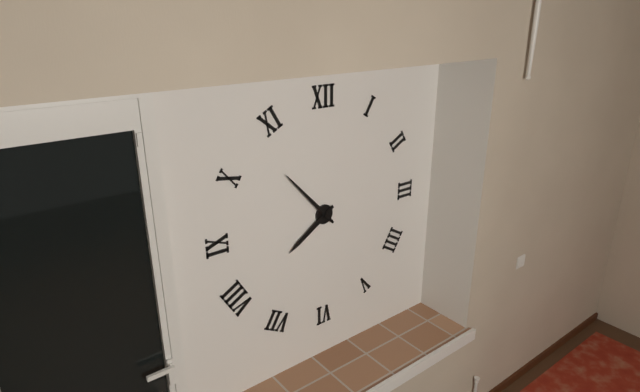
7.53
